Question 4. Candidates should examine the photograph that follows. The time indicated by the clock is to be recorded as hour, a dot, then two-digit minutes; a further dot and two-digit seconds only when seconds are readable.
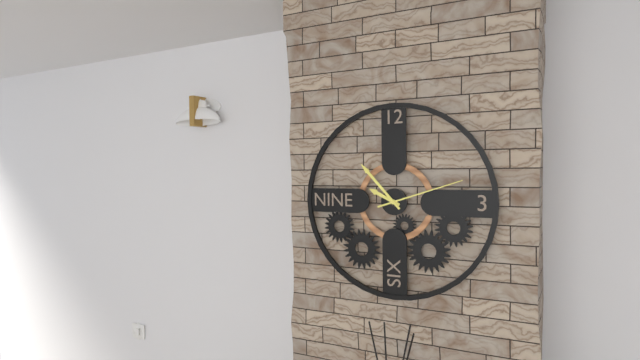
9.53.12
